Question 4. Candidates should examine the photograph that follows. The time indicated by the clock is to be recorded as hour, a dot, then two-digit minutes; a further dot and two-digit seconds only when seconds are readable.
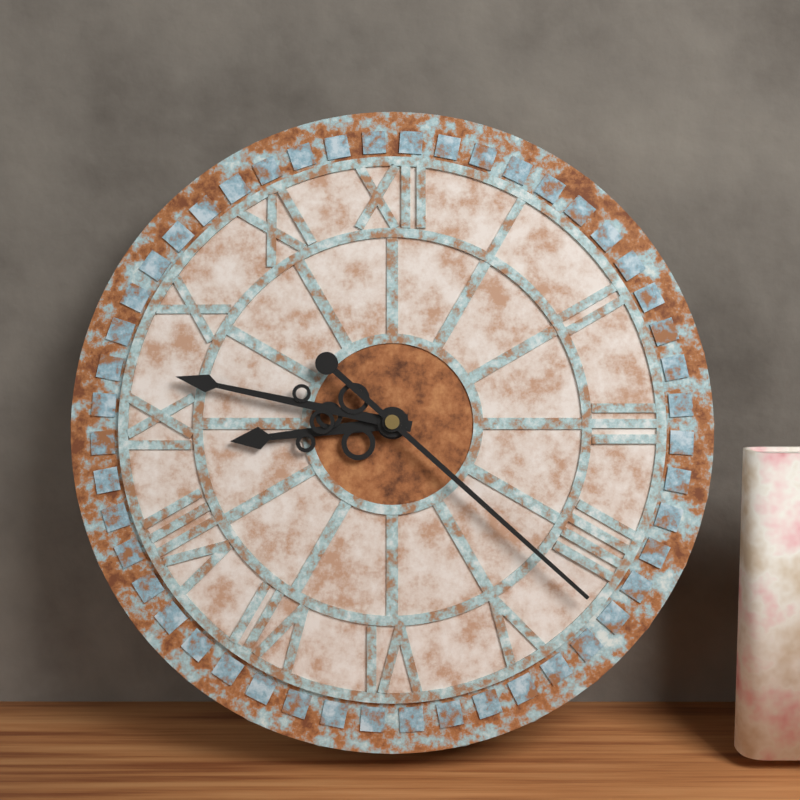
8.47.22
